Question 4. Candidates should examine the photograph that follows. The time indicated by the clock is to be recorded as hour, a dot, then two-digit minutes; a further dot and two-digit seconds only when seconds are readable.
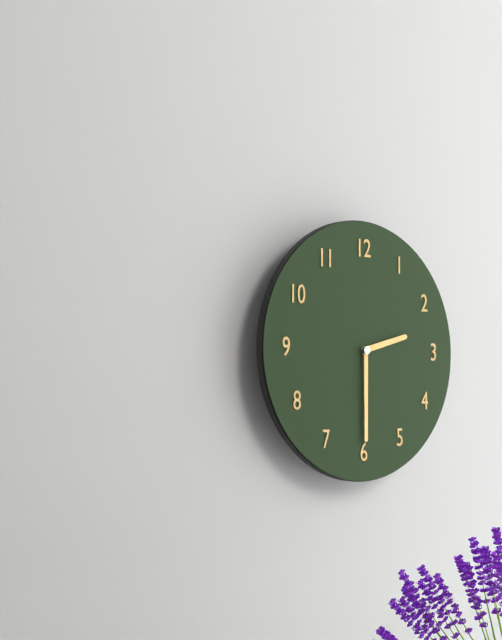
2.30
